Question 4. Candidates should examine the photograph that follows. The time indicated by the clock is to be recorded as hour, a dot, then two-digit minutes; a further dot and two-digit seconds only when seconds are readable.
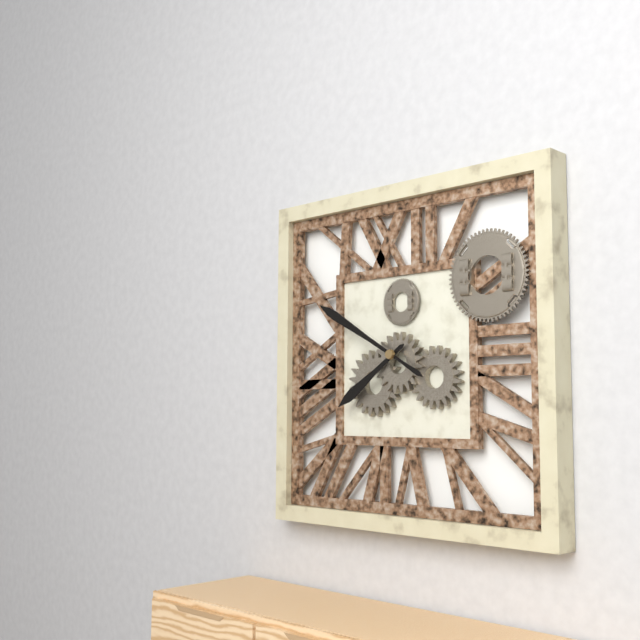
7.50
